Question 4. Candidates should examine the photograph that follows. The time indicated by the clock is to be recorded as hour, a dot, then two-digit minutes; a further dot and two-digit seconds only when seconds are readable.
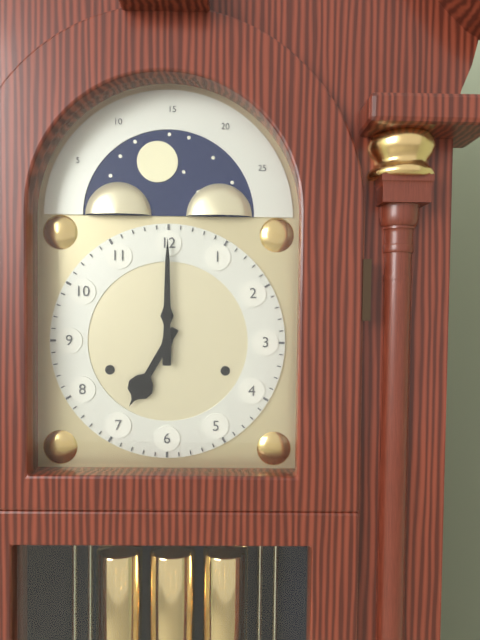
7.00
